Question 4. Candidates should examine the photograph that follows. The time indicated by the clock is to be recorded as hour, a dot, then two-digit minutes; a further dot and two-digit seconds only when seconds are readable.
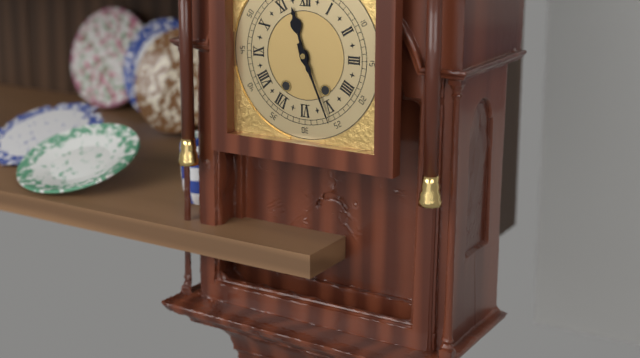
11.26
